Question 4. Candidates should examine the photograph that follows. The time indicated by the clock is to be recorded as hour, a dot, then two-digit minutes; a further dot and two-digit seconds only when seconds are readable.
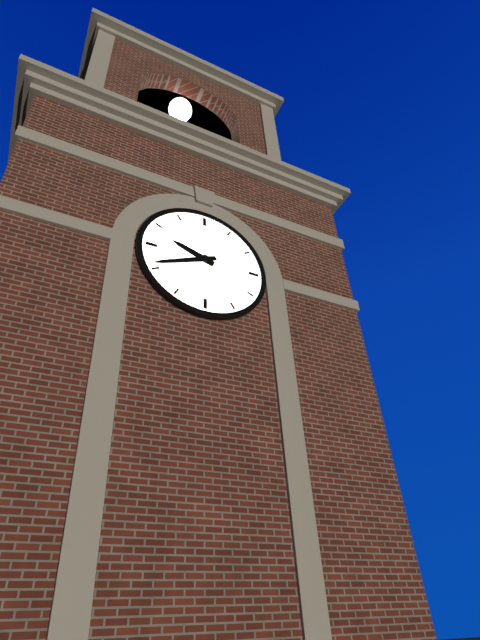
9.41
